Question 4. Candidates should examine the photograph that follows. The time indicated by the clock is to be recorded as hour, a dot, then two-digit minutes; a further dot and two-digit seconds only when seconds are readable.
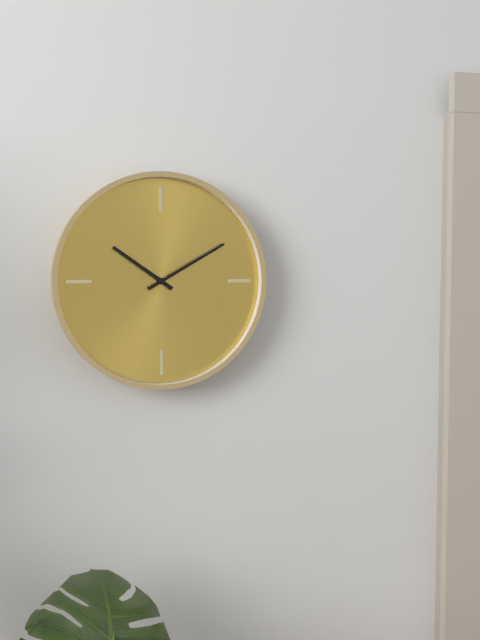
10.10
